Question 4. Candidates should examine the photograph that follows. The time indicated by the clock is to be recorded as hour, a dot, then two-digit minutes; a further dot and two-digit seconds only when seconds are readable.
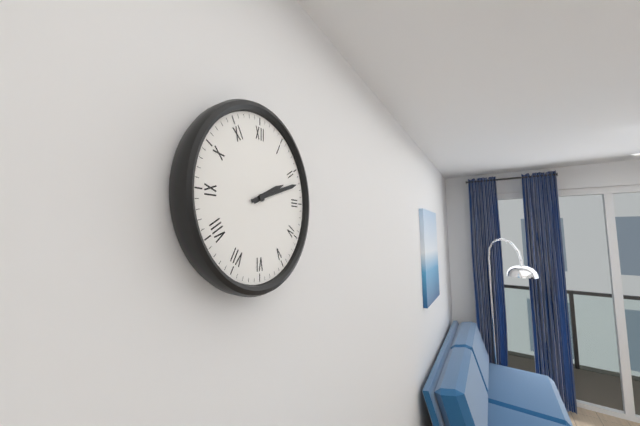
2.12
